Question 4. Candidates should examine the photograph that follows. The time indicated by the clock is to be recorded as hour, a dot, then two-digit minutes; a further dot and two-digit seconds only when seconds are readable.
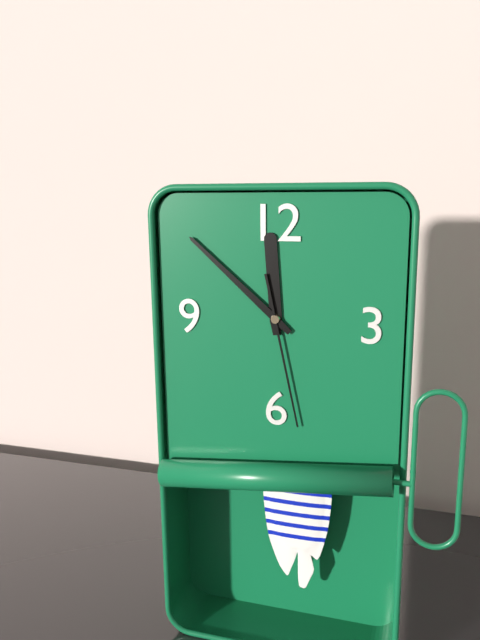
11.52.28
